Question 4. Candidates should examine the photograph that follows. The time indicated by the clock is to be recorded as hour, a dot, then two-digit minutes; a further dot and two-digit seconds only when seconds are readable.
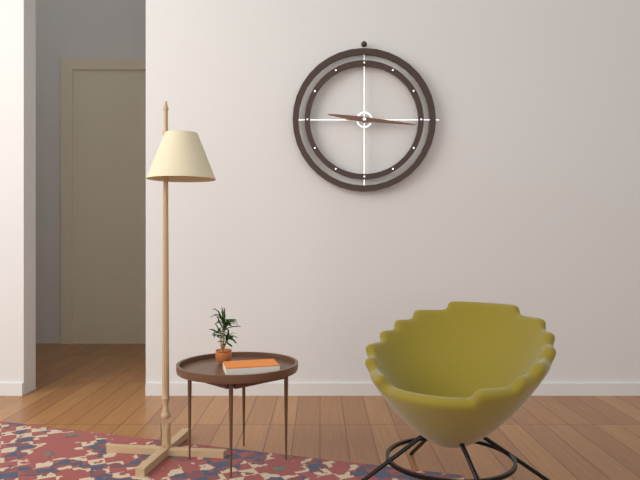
9.16
